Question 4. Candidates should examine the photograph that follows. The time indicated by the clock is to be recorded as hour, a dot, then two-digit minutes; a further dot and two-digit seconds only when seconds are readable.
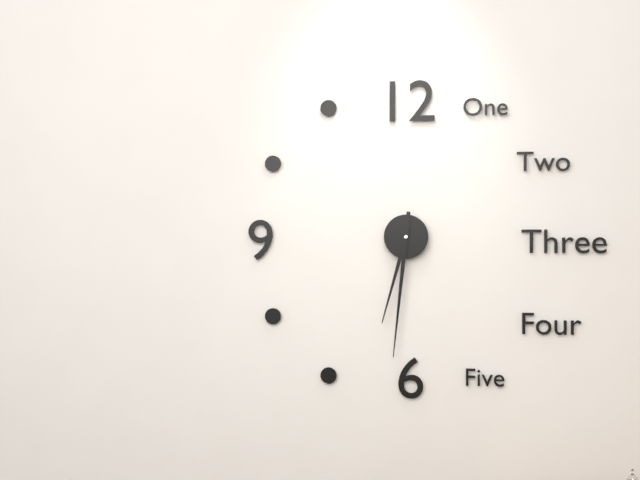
6.31
